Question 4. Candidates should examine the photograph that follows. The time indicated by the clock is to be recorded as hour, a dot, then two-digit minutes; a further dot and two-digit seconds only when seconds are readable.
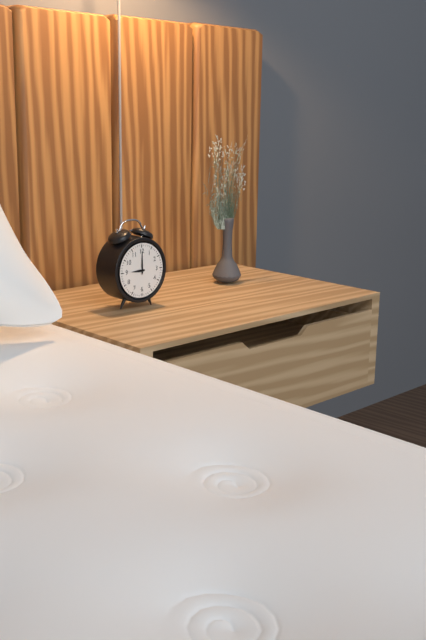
9.00
